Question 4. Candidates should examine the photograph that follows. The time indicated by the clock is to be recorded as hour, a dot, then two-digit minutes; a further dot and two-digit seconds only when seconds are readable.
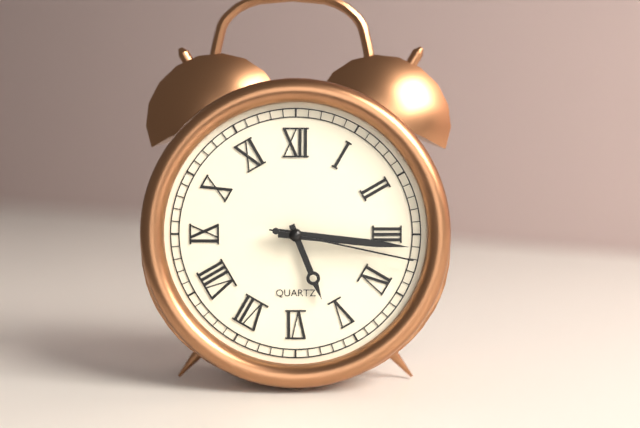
5.16.17
